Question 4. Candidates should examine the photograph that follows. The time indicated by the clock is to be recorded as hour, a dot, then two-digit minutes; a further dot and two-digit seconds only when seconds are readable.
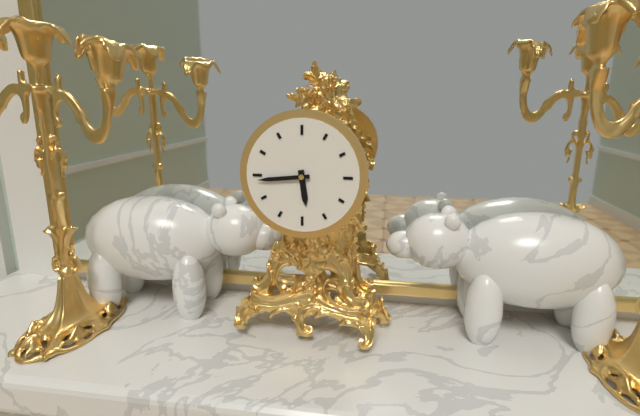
5.44
